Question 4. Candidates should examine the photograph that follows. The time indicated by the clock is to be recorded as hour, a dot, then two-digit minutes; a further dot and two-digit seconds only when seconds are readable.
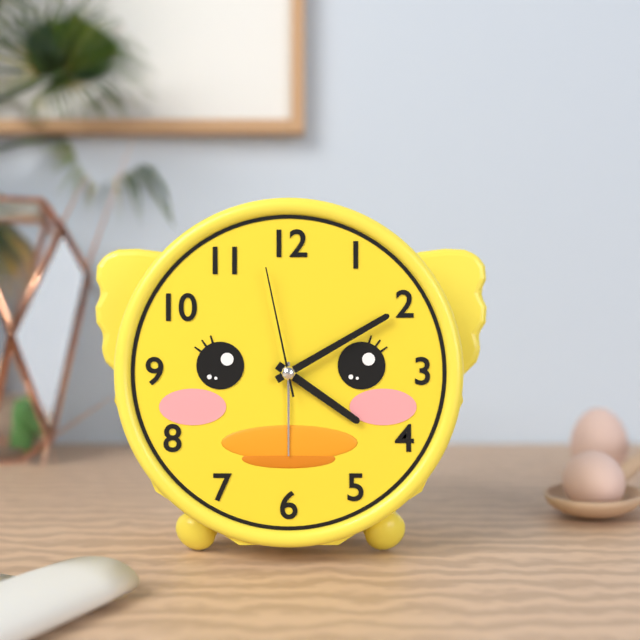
4.10.58
